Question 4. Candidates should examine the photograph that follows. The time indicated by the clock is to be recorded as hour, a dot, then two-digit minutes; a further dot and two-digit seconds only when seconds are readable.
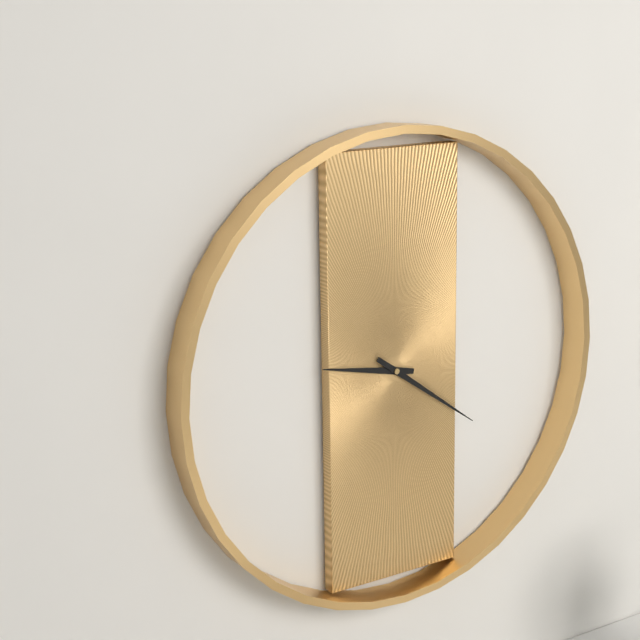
9.21
